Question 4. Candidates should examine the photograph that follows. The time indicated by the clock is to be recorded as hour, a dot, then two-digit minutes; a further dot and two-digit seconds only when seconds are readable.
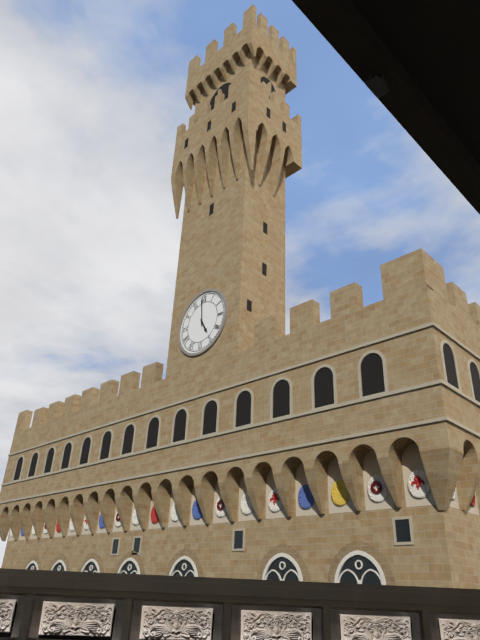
4.59
